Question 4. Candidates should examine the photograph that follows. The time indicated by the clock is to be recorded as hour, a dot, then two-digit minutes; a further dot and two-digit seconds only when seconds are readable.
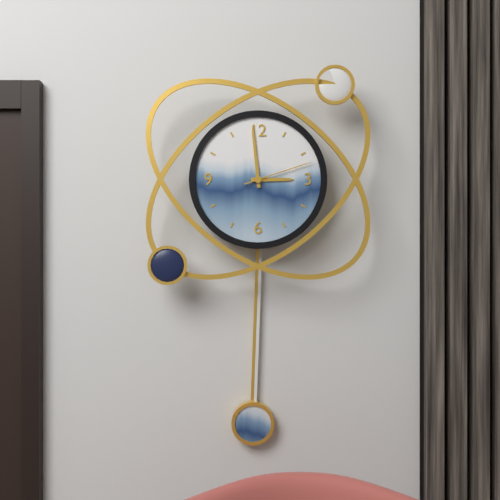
2.59.12
